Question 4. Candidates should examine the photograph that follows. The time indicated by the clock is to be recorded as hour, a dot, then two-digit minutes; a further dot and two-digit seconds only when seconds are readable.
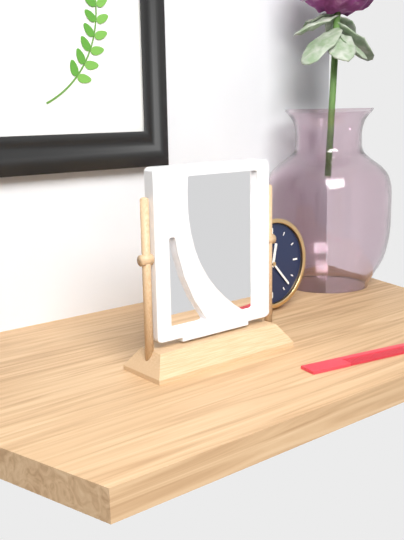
12.23
